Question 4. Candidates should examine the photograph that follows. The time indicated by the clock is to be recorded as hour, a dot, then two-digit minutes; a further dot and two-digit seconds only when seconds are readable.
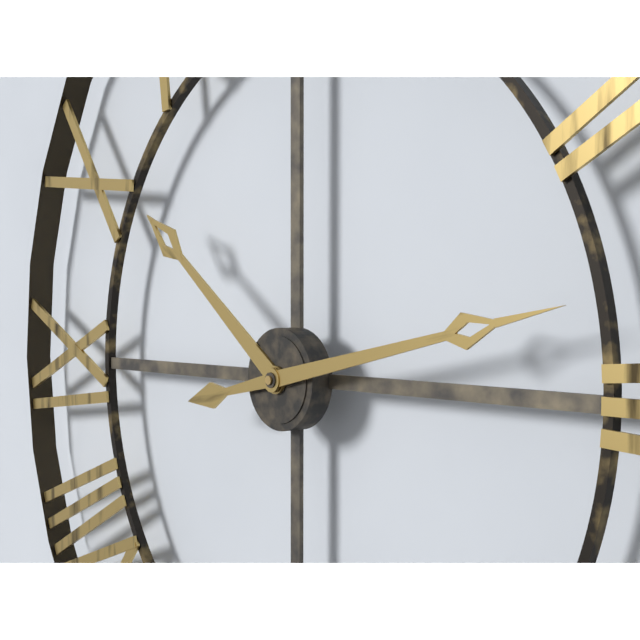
10.13
